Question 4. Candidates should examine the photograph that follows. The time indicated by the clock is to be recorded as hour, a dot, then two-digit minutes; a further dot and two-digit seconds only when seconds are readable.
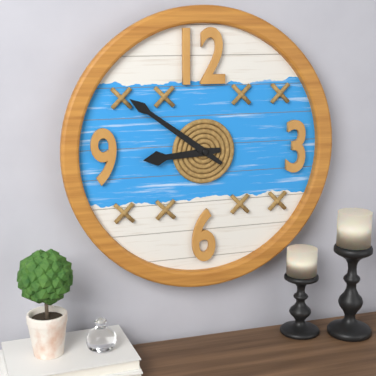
8.51
